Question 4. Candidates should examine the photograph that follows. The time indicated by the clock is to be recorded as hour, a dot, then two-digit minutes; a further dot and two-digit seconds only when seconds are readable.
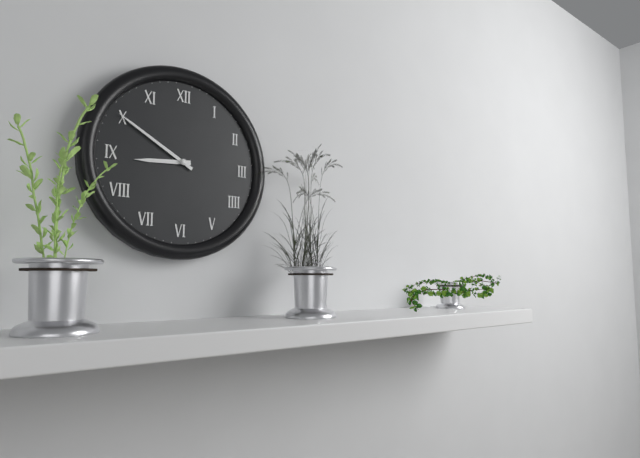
8.50
